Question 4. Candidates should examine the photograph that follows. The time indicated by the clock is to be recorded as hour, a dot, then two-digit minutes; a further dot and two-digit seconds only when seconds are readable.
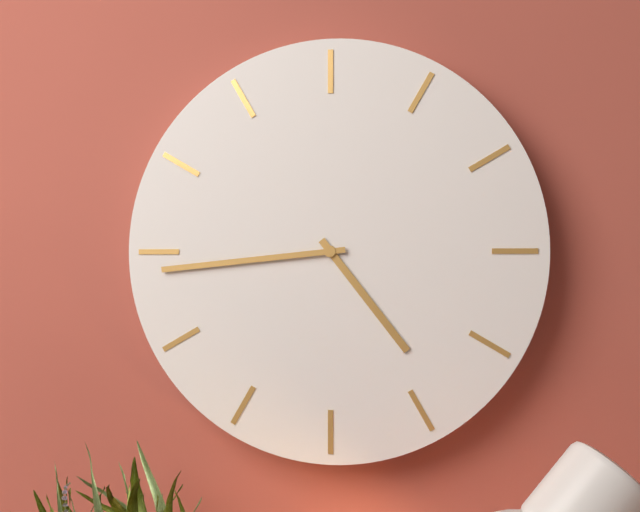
4.44
